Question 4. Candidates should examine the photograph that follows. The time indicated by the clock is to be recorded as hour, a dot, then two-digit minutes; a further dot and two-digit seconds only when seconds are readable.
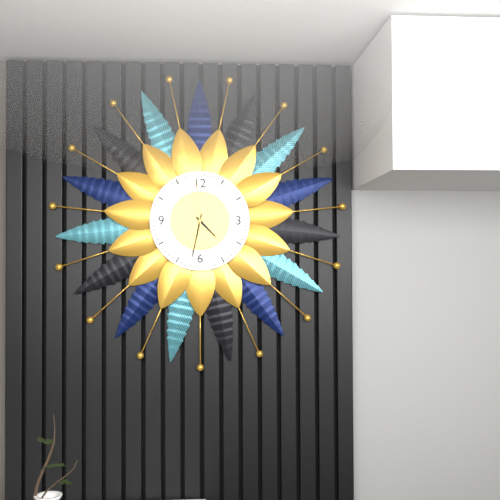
4.32.59
